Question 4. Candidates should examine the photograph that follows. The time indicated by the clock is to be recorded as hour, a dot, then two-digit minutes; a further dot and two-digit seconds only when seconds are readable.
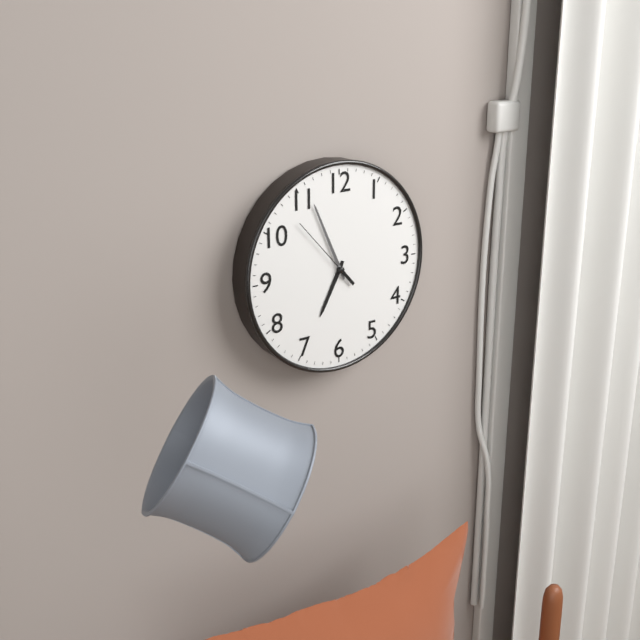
6.56.53
